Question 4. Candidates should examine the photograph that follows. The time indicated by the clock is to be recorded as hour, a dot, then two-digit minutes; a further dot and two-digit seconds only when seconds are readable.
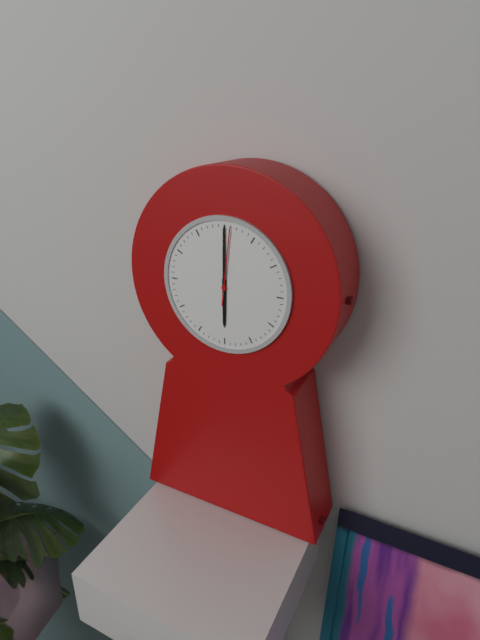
6.00.01
